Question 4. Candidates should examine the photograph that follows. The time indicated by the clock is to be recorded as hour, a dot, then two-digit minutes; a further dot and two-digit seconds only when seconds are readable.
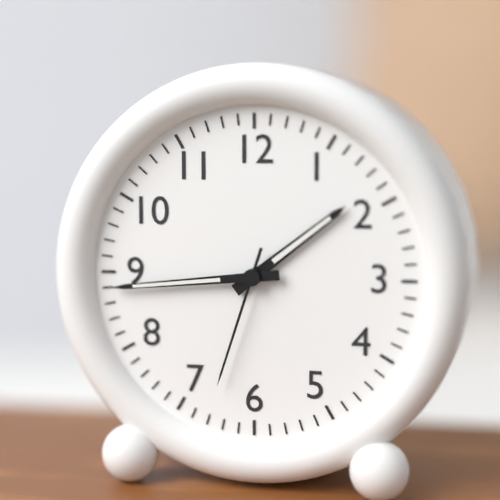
1.44.33
